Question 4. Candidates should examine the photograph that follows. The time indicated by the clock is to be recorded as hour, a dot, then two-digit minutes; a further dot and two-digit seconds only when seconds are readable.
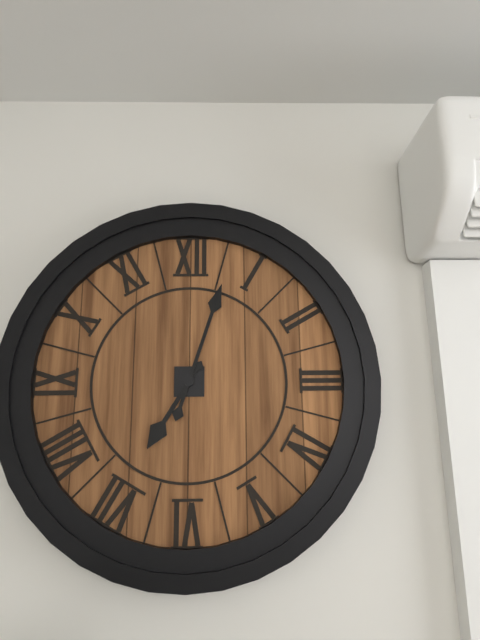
7.03
